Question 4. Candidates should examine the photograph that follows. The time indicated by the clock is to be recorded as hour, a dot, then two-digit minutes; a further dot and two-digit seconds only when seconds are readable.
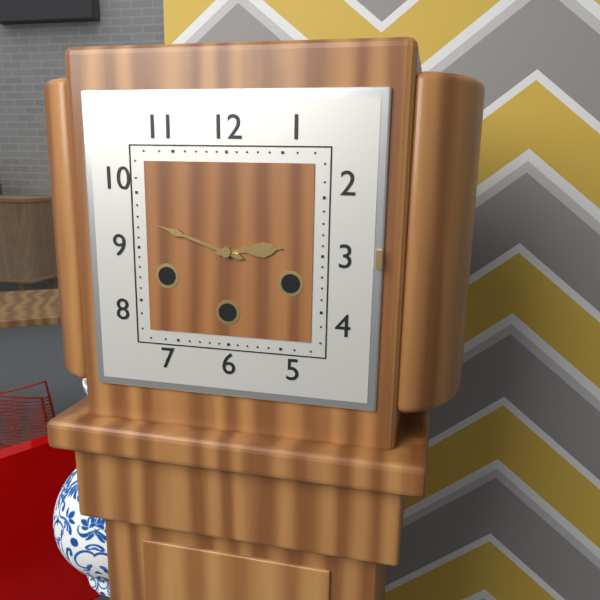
2.48
